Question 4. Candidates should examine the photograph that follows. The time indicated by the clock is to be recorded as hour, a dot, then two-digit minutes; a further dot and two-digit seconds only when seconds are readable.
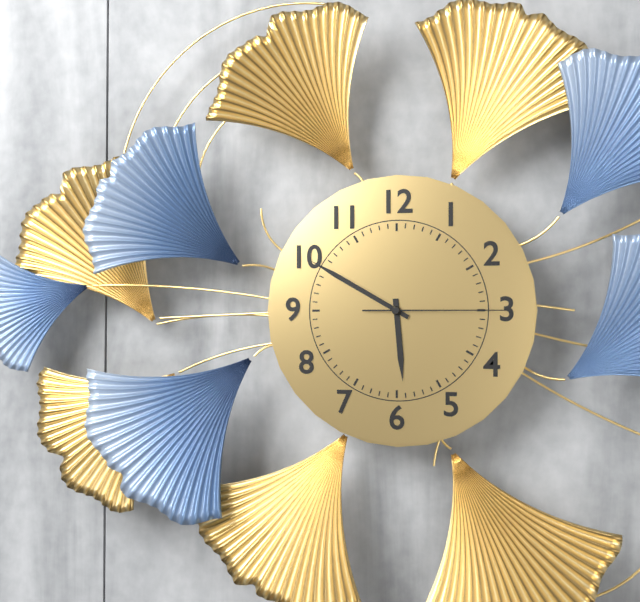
5.50.15
